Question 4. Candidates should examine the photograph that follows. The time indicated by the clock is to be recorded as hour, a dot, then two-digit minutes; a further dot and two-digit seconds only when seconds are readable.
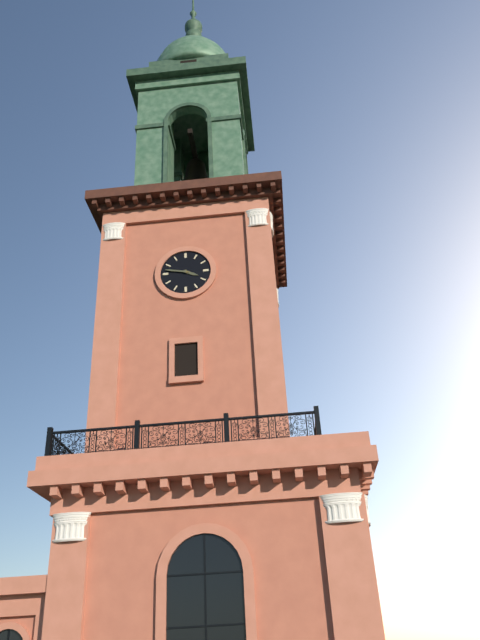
3.47
